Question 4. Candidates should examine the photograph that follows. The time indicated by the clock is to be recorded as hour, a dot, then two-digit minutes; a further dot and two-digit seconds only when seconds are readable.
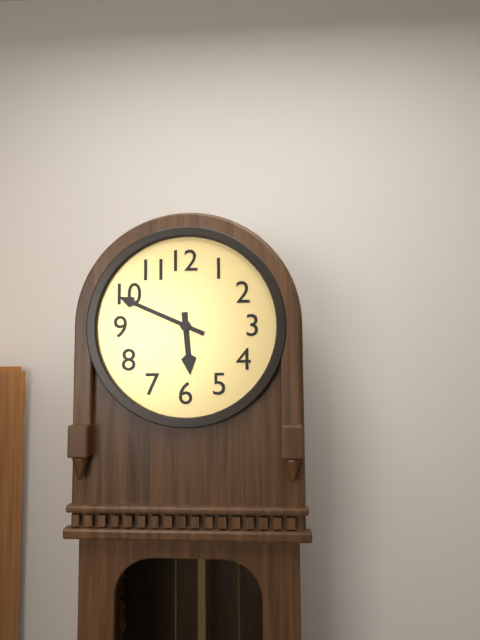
5.49
